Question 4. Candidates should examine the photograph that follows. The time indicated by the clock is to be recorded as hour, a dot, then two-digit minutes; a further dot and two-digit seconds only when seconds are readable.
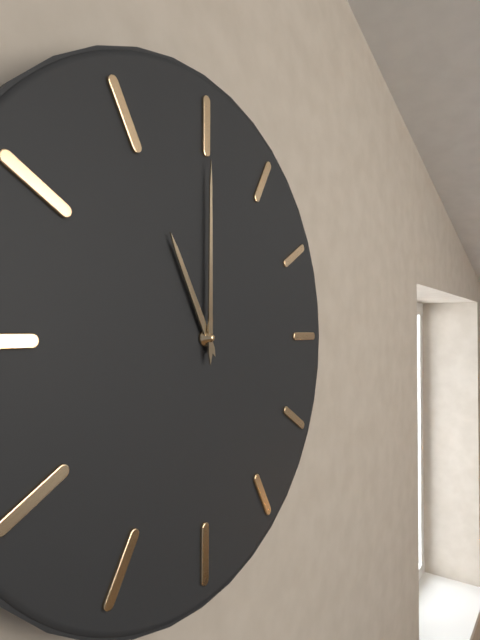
11.00
